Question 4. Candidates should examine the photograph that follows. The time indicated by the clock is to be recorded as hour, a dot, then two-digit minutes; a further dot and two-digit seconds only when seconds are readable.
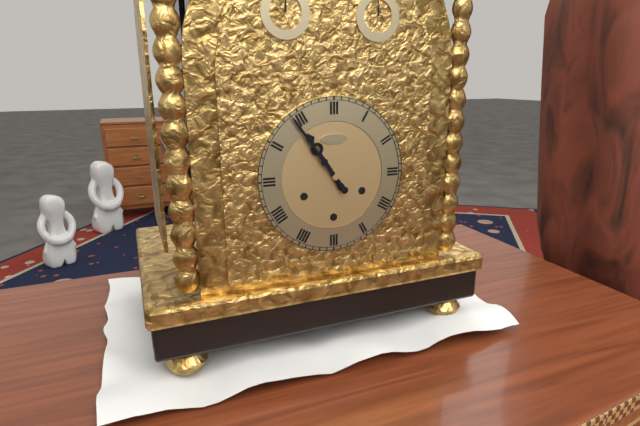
10.54
